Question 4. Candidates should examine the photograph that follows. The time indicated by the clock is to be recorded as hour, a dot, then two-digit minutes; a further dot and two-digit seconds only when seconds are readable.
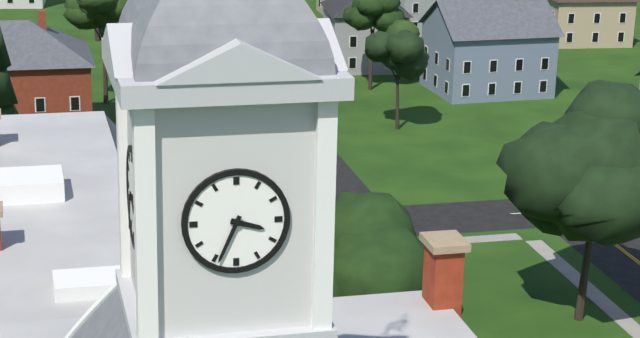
3.34
